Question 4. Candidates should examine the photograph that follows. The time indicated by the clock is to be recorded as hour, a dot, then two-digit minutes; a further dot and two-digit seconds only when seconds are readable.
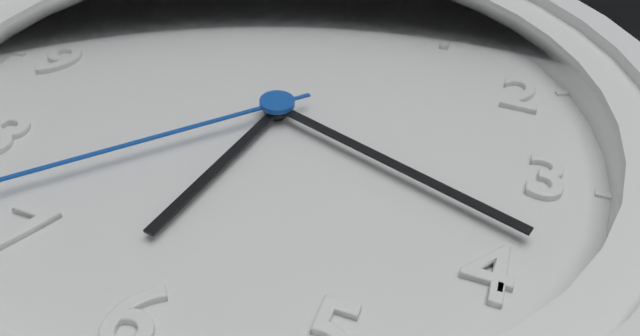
6.18
